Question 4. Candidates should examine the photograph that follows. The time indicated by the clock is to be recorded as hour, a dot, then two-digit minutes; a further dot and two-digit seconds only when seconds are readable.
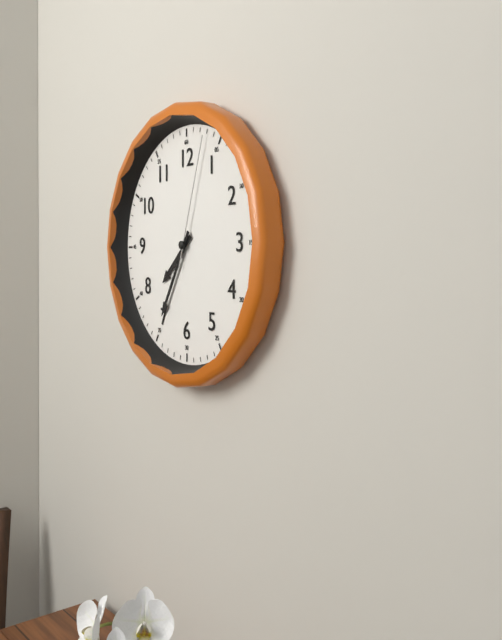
7.35.03
